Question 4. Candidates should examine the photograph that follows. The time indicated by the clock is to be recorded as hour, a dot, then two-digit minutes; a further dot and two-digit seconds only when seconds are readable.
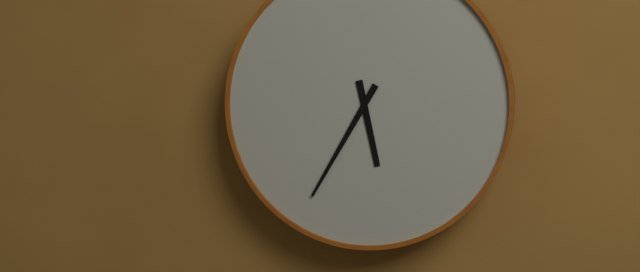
5.35
